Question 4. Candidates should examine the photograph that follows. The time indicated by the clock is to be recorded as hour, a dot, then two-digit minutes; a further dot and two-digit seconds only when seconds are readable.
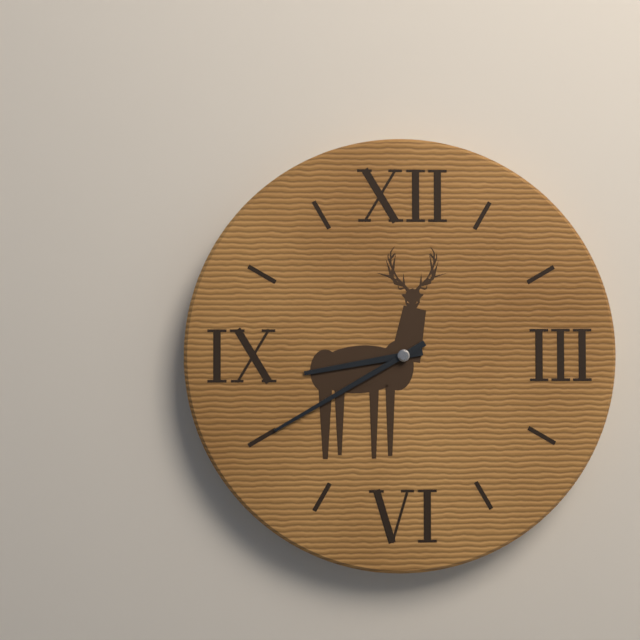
8.40
